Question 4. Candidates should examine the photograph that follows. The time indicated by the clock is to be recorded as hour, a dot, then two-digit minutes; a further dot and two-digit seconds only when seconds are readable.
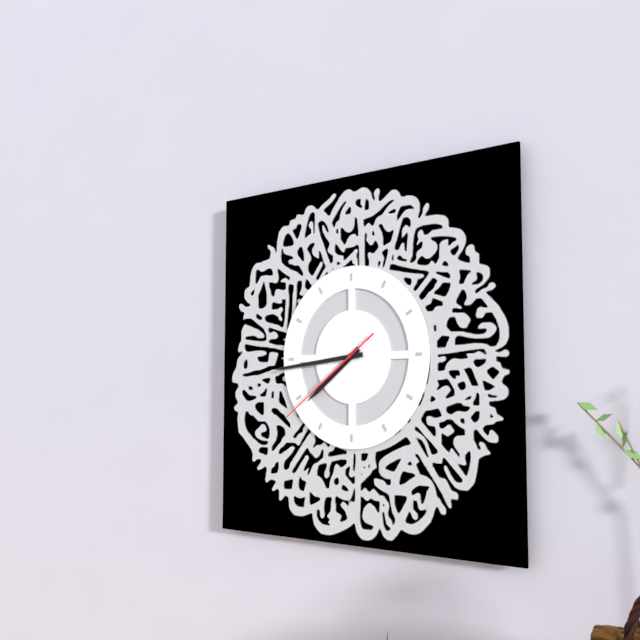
7.44.39
